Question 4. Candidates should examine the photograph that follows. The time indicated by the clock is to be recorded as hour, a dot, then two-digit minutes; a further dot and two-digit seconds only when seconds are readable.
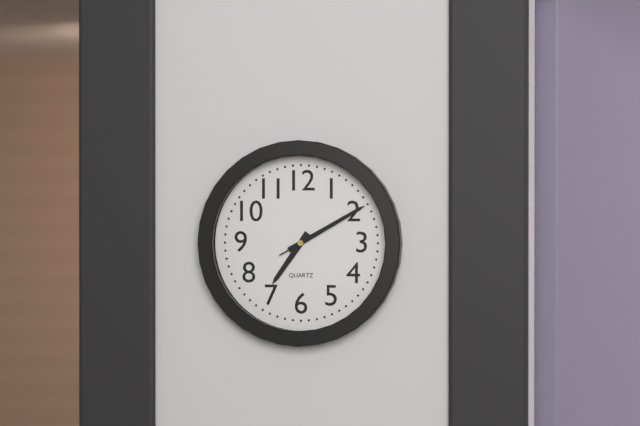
7.10.10
